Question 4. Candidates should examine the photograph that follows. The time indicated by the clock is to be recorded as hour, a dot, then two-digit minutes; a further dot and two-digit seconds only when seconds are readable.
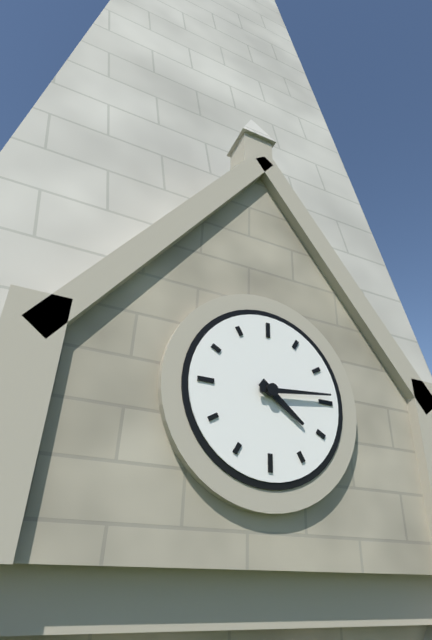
4.14
